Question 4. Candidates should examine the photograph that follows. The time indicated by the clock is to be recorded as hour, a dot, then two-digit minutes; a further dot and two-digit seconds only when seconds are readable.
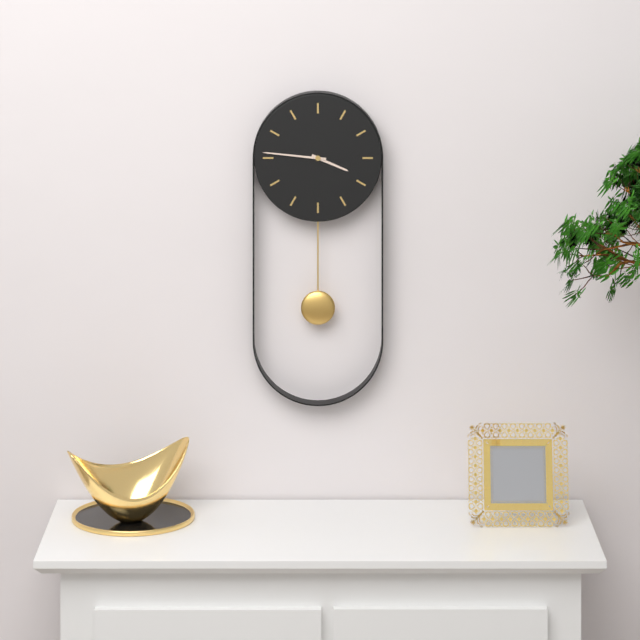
3.46
